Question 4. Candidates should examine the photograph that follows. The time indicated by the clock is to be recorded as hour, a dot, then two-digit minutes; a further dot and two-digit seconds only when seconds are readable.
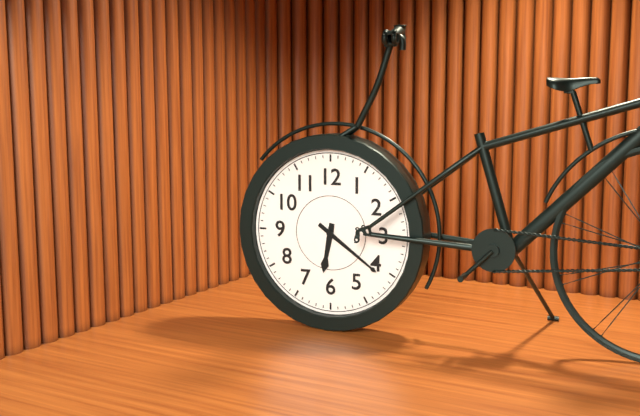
6.21
